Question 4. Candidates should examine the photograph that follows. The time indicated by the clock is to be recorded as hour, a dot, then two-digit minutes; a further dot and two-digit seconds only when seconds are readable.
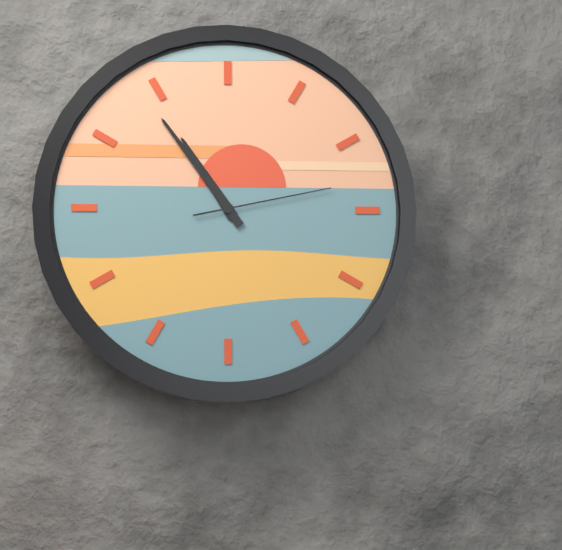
10.54.13
